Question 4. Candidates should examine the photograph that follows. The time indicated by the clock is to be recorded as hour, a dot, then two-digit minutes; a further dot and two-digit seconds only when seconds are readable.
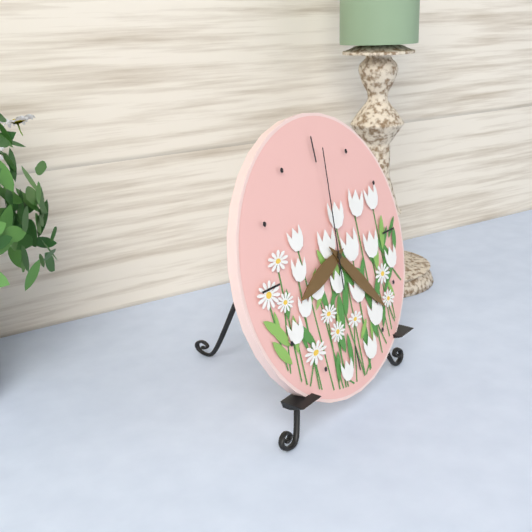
8.23.01
